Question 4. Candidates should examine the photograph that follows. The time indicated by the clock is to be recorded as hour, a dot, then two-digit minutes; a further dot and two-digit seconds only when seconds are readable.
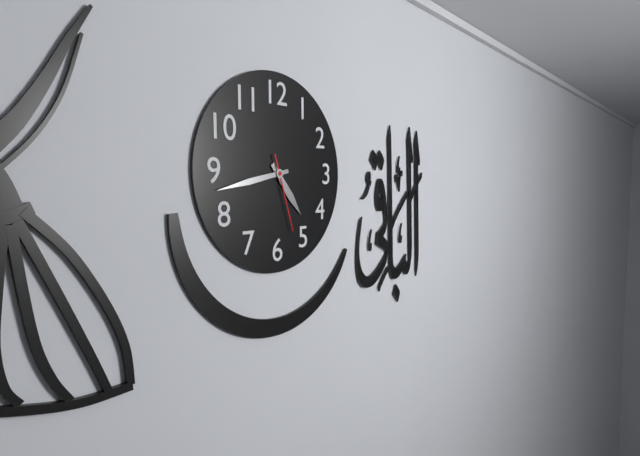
4.43.27
